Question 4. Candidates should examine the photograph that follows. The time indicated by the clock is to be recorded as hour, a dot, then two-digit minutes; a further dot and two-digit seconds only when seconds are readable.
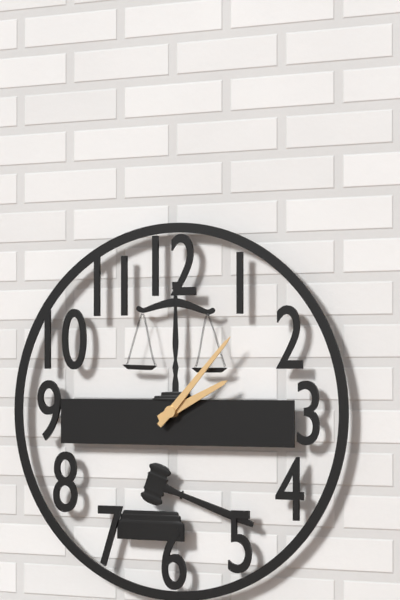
2.07
